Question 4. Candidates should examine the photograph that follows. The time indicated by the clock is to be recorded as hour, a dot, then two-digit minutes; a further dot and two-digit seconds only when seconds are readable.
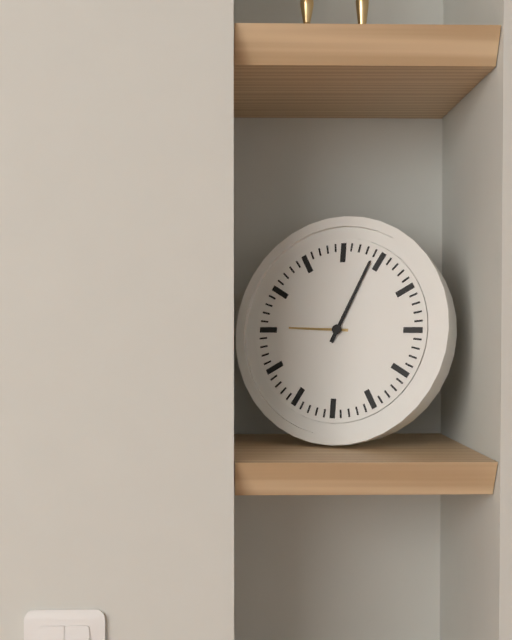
9.04
